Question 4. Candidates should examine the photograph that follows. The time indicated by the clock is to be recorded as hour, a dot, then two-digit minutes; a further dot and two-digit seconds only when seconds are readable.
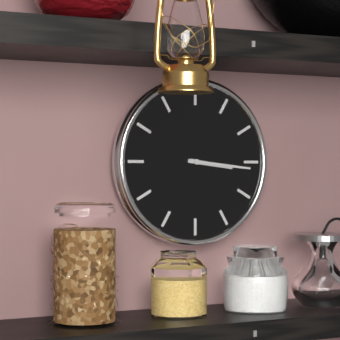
3.16
